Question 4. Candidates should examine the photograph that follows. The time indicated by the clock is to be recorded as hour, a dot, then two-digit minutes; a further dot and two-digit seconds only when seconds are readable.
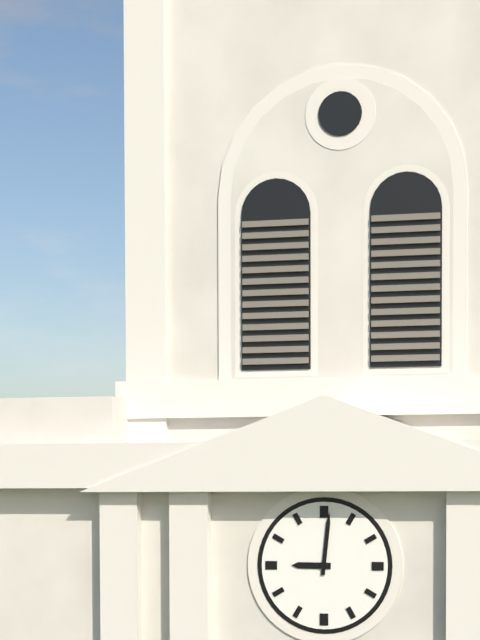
9.01
